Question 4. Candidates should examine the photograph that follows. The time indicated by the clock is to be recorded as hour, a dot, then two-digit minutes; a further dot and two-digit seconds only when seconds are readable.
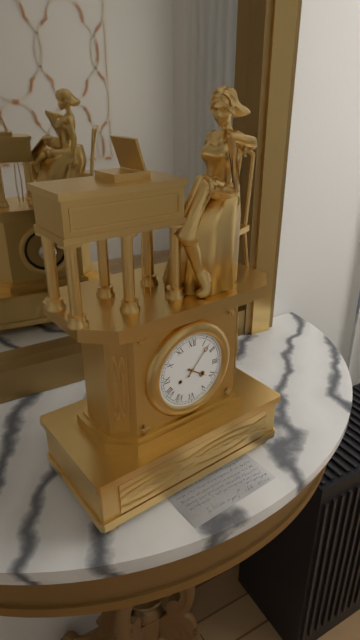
4.07
